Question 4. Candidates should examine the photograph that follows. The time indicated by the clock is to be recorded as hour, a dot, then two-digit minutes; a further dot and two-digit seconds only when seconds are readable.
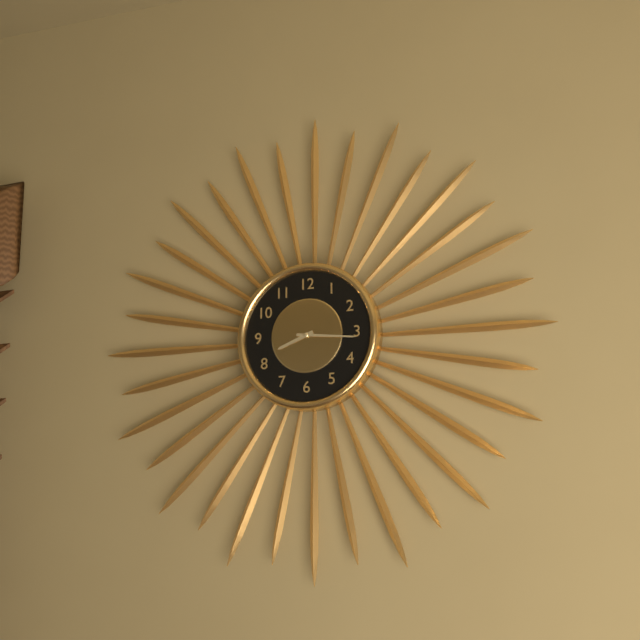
8.16
